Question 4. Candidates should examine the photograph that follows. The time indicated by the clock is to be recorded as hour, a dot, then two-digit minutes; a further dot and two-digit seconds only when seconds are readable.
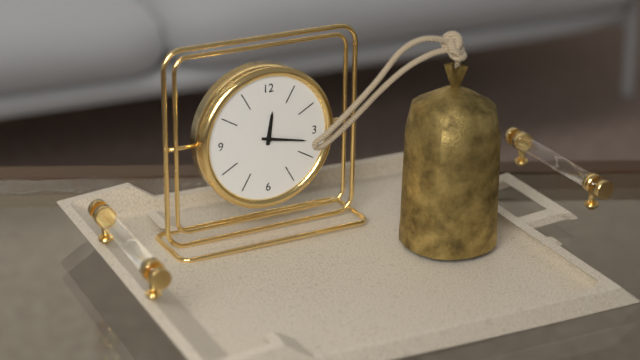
12.17
